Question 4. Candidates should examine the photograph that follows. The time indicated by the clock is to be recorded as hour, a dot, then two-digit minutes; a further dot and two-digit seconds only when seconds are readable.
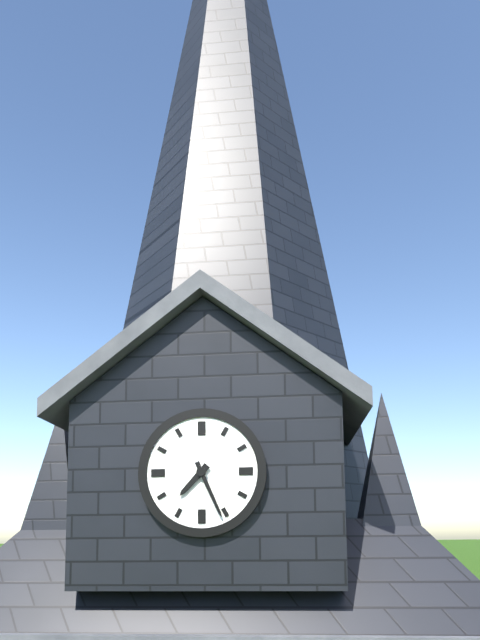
7.26
